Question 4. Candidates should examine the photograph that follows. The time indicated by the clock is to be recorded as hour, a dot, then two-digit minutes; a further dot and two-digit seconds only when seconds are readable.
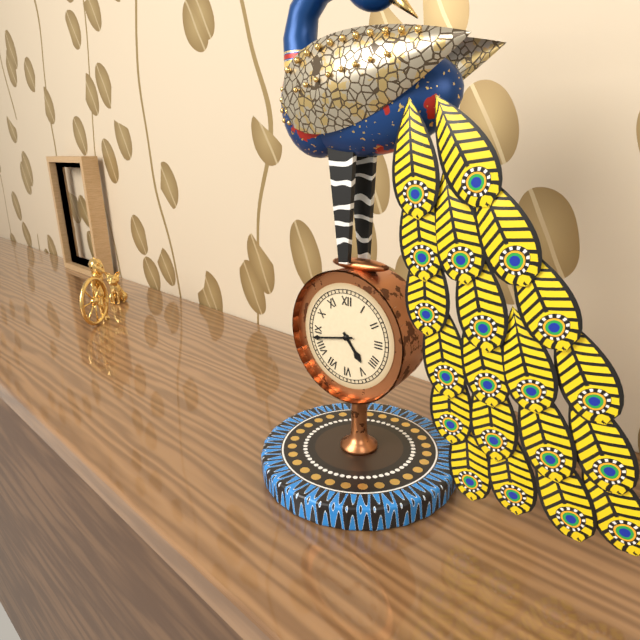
4.43
